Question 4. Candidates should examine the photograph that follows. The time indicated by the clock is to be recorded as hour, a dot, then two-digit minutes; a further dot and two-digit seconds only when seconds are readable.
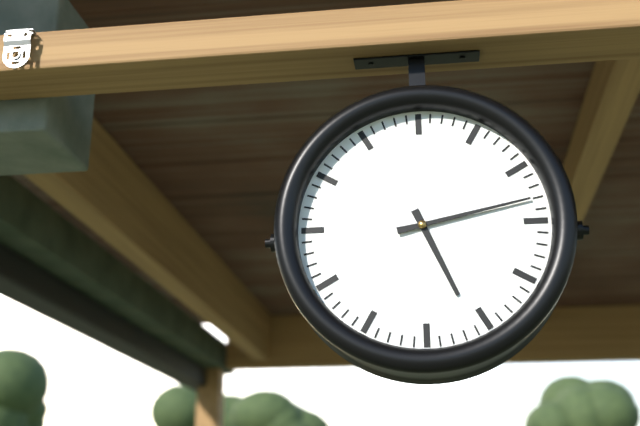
5.13
